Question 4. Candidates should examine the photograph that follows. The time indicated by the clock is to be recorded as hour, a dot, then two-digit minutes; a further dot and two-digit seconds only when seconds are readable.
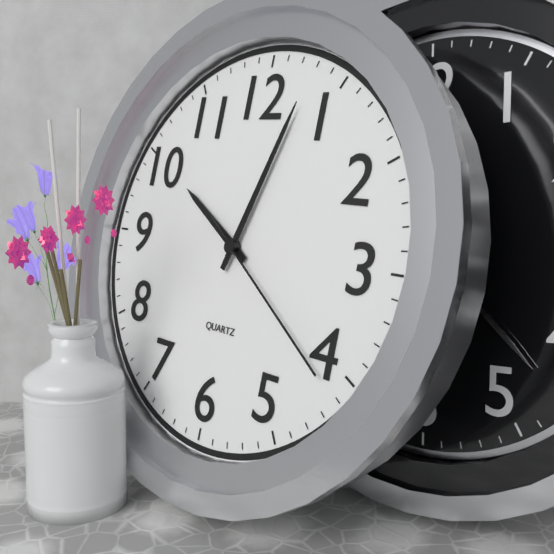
10.03.21
